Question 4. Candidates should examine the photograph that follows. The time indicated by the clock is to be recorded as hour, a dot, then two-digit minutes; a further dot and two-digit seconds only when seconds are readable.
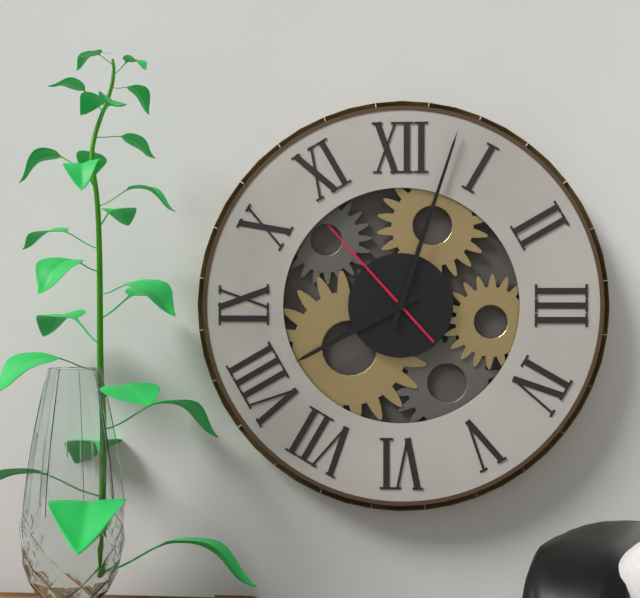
8.03.53
